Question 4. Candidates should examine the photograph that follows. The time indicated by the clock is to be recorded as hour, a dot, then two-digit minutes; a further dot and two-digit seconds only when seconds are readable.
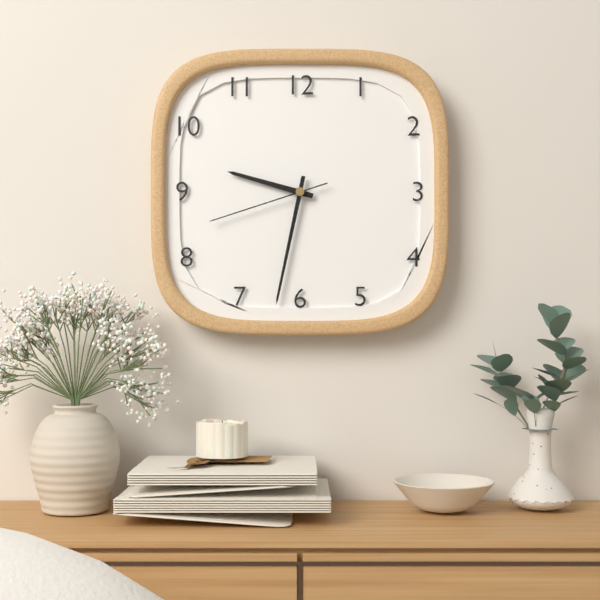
9.32.42
